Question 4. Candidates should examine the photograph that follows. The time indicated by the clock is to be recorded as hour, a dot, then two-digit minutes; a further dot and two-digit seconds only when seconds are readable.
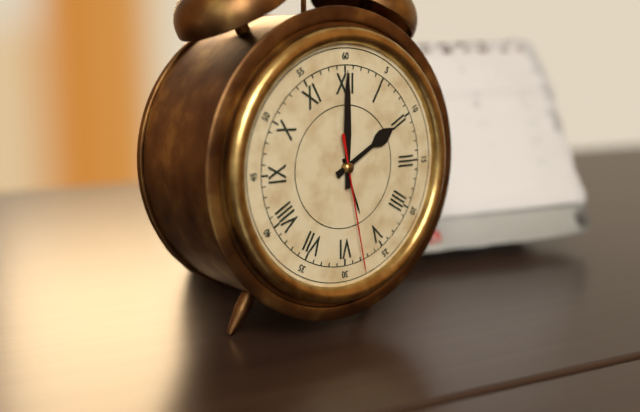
2.00.28
